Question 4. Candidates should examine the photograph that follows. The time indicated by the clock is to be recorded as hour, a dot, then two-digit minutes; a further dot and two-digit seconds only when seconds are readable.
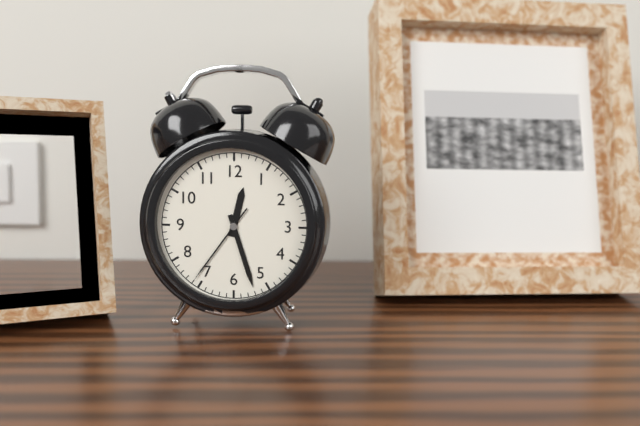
12.27.36
